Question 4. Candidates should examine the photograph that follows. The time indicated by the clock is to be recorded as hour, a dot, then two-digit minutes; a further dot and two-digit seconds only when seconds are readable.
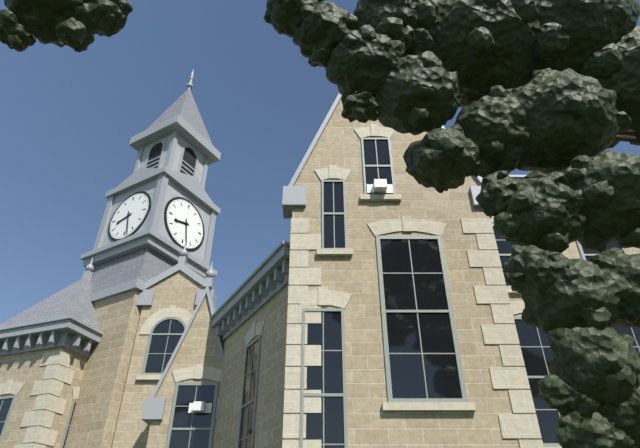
8.28
